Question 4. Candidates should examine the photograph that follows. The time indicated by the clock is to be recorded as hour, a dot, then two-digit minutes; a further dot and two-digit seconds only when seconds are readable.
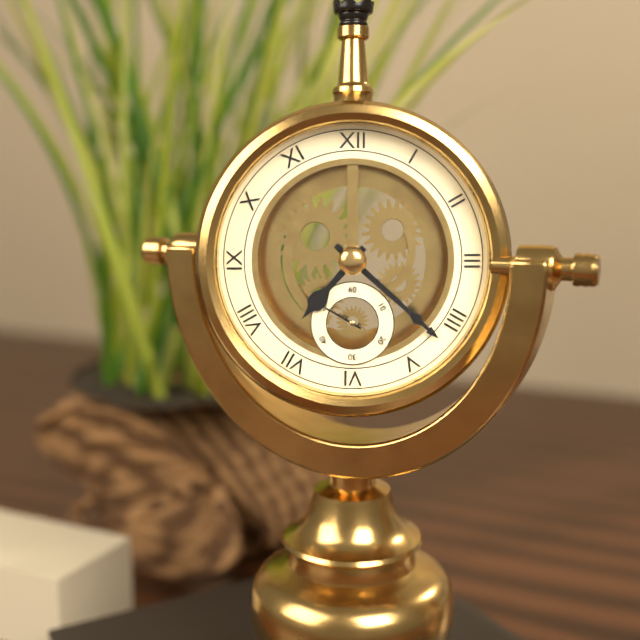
7.22
